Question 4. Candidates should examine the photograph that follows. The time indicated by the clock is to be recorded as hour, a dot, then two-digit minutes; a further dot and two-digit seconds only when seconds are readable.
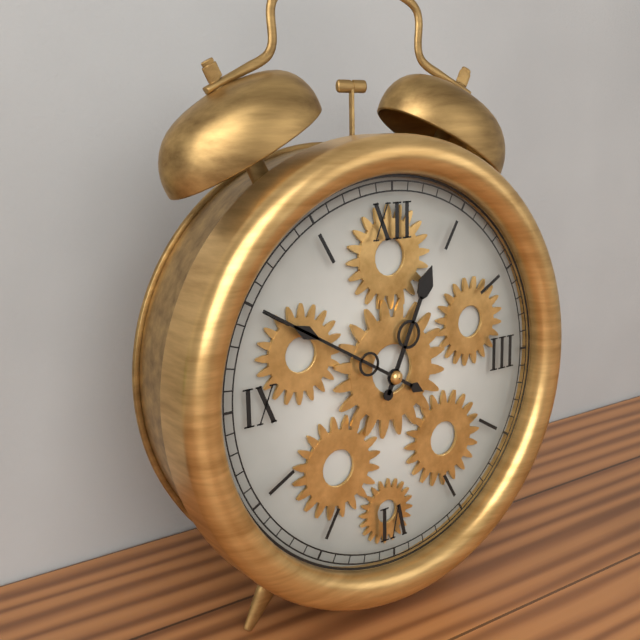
12.50
